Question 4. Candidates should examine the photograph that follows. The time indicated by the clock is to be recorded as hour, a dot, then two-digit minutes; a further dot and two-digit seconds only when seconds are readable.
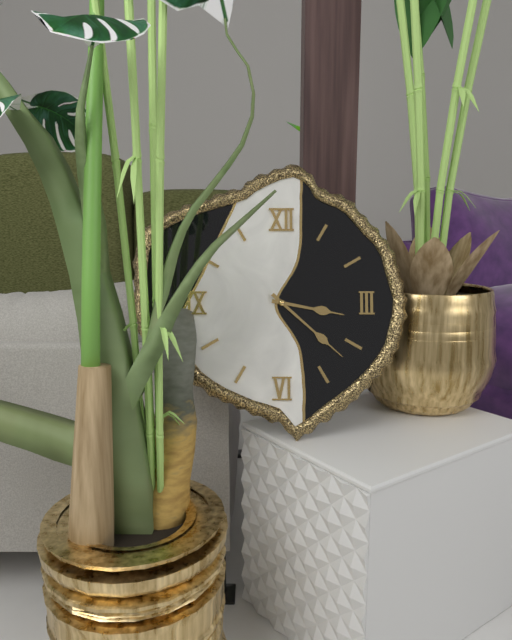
3.22
